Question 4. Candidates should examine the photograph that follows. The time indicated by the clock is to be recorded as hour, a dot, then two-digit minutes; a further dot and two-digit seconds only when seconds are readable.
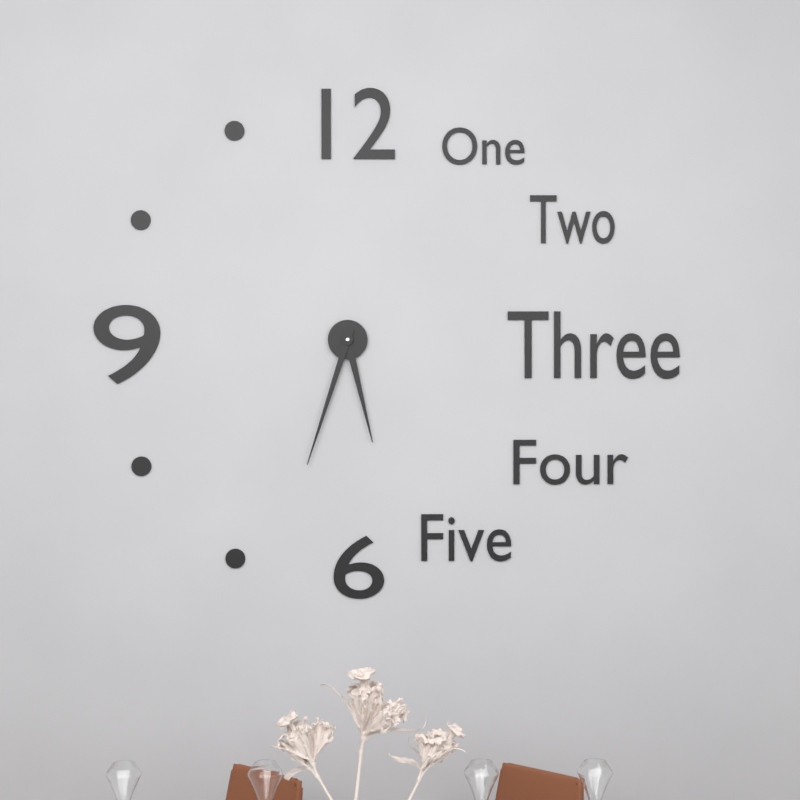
5.33
